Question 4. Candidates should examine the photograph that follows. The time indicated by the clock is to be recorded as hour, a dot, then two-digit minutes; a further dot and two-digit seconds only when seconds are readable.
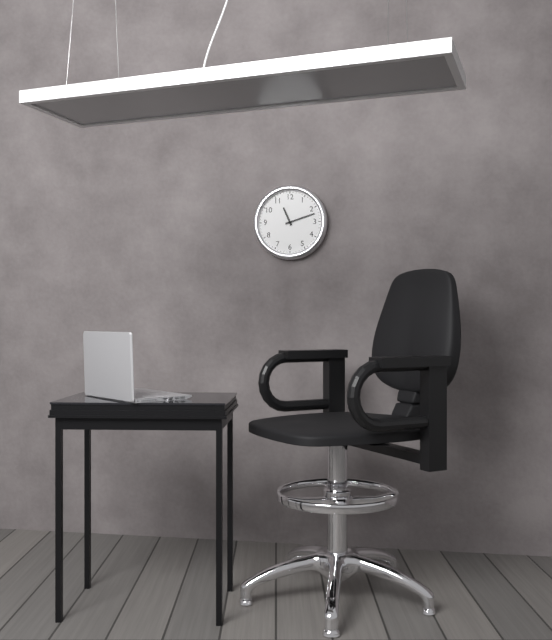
11.12
